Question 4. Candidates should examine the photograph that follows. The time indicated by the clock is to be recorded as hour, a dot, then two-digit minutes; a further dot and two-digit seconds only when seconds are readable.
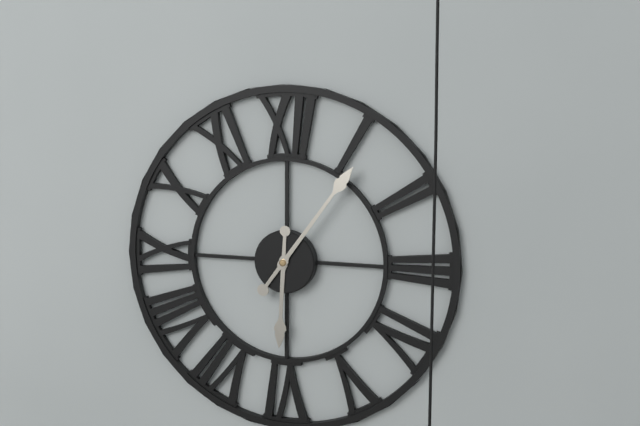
6.06
